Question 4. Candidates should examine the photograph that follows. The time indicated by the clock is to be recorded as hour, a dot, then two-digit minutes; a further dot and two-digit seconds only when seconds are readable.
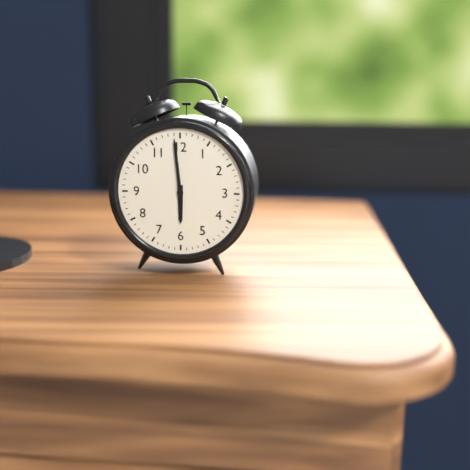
5.59
